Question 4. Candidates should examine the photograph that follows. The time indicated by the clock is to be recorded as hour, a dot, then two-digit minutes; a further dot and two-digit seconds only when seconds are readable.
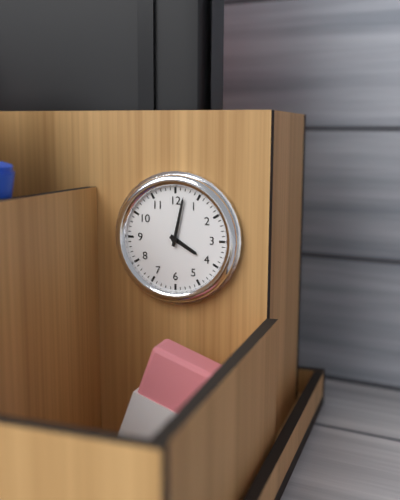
4.02
